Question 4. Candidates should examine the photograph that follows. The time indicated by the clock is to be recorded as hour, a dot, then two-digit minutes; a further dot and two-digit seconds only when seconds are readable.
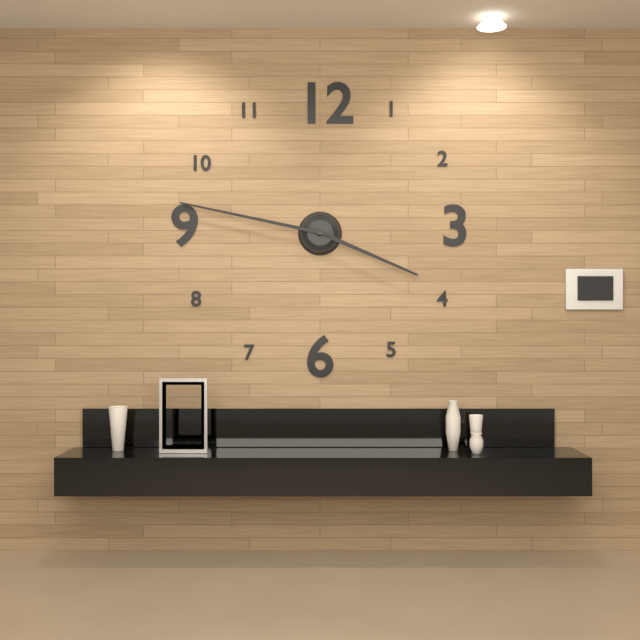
3.47
